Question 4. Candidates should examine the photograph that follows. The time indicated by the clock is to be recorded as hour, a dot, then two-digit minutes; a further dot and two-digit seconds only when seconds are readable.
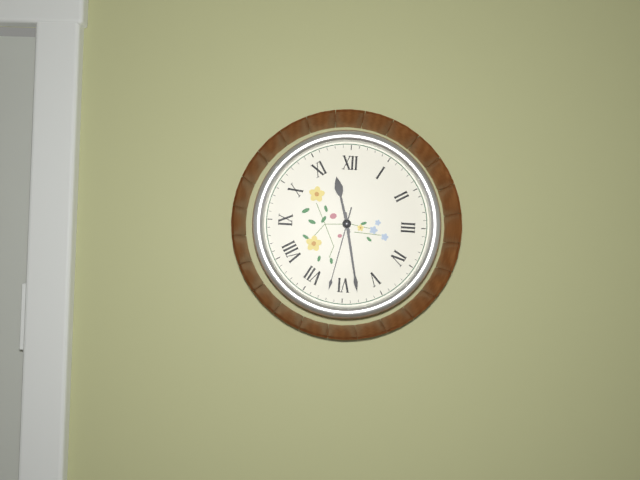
11.28.32
